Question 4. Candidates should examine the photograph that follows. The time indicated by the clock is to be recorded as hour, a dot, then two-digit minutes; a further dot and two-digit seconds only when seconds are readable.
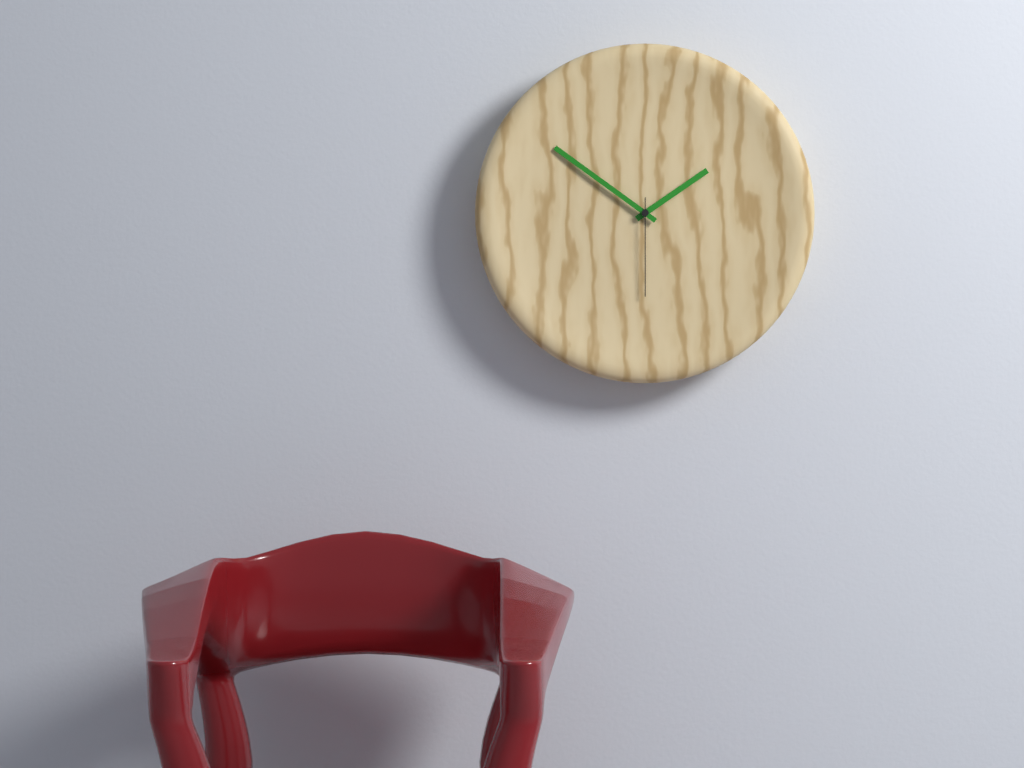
1.51.30
